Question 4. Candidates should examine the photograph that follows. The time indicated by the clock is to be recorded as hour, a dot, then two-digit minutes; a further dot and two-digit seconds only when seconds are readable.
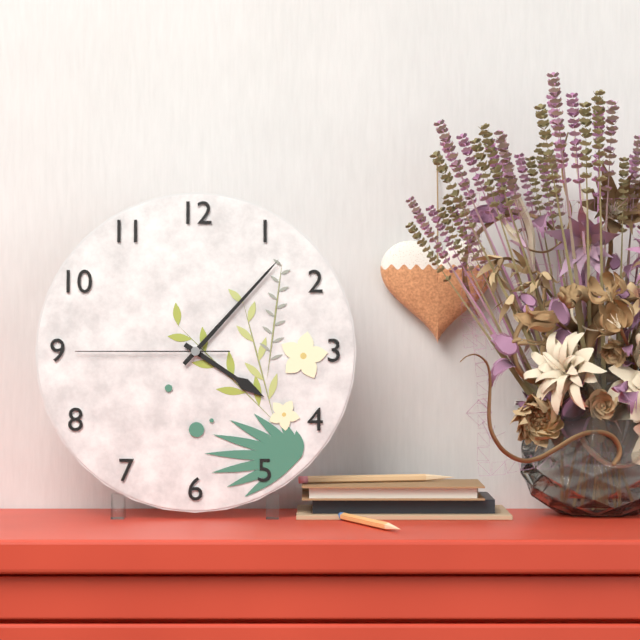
4.07.45
